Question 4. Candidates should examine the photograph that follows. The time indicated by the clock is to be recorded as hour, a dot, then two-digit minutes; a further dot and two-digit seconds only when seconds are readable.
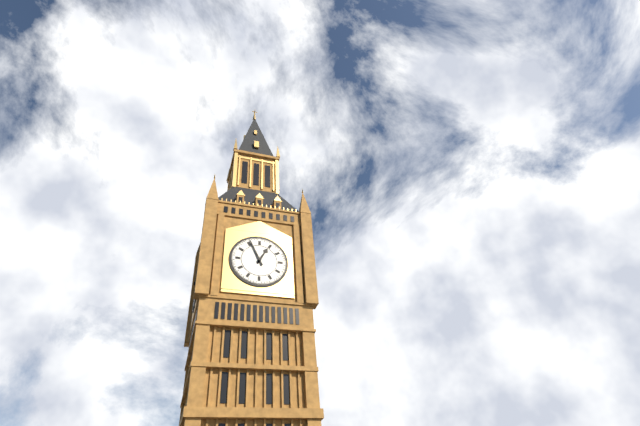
12.56
